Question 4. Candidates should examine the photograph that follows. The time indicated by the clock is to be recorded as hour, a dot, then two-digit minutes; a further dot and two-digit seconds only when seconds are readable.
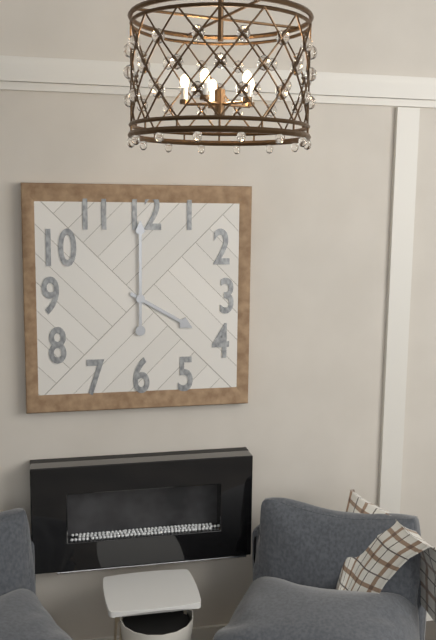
4.00
